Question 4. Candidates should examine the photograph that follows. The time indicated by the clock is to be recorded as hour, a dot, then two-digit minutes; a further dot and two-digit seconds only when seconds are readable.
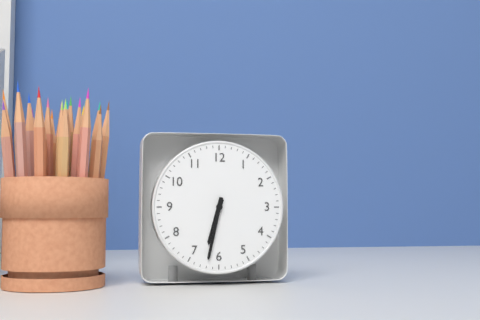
6.32
